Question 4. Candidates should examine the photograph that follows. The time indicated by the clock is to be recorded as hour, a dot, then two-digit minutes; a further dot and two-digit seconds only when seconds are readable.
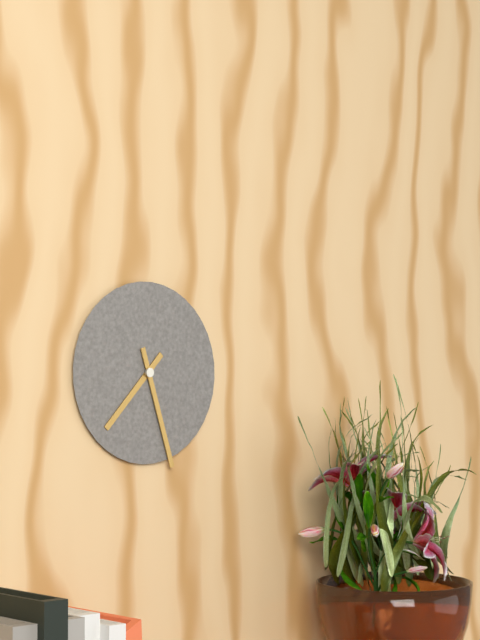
7.27
